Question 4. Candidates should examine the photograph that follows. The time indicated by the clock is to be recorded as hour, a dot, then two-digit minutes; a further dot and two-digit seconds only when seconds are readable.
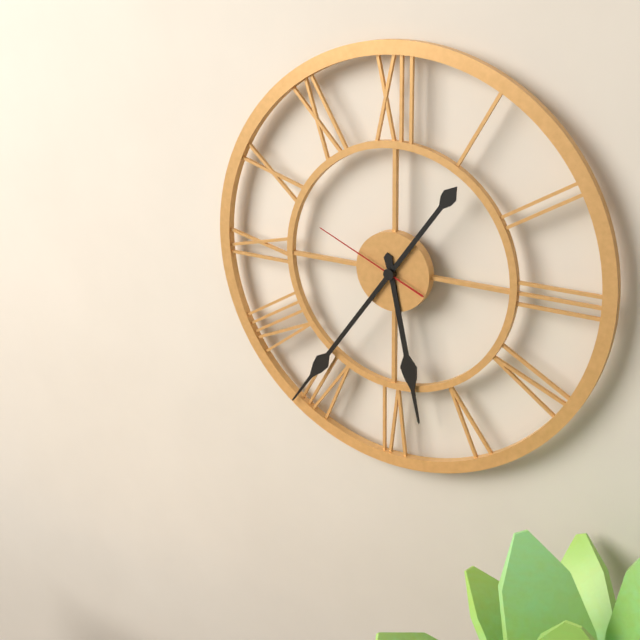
5.36.49
